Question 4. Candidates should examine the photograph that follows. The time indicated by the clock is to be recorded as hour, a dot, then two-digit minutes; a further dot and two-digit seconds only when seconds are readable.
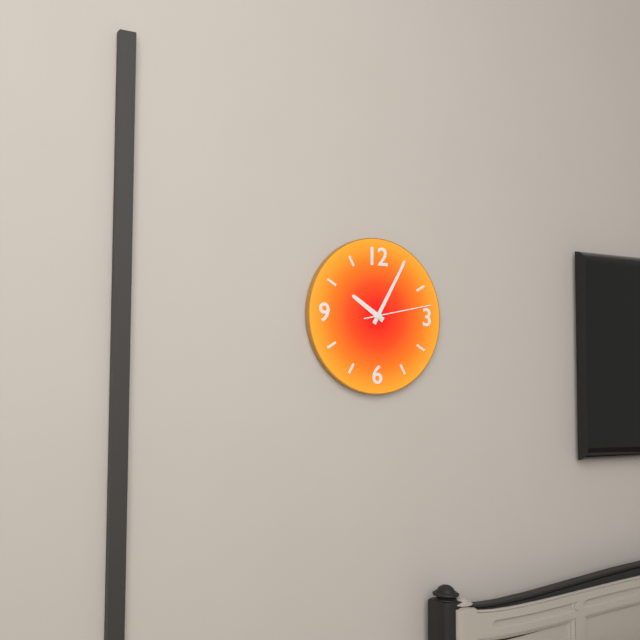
10.05.13
